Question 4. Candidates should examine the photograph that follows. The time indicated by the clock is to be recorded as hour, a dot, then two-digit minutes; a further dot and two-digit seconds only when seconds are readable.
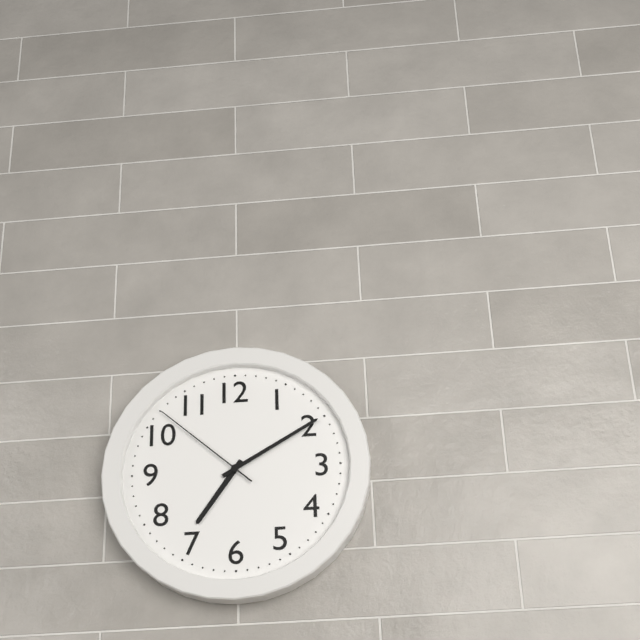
7.10.52
